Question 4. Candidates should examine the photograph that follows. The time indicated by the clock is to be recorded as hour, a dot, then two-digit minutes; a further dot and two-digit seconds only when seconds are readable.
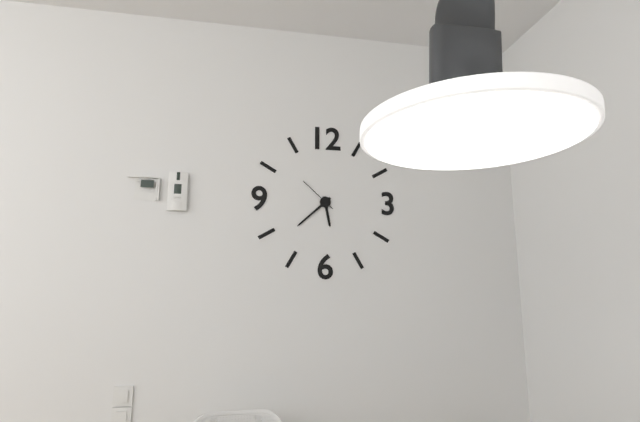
5.38
